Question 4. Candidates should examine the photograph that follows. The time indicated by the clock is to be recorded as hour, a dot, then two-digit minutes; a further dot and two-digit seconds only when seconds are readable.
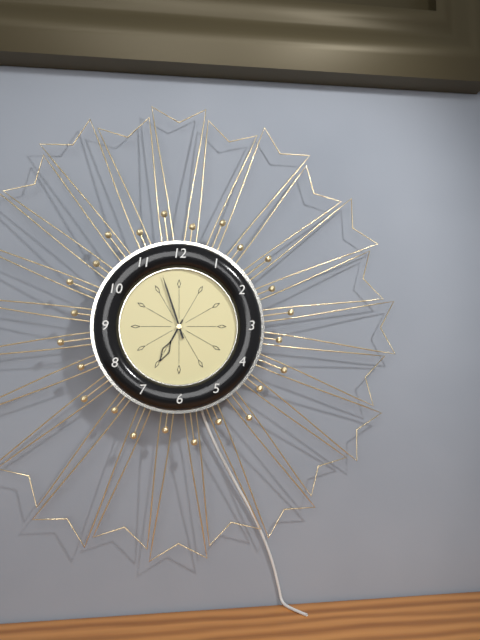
6.57
